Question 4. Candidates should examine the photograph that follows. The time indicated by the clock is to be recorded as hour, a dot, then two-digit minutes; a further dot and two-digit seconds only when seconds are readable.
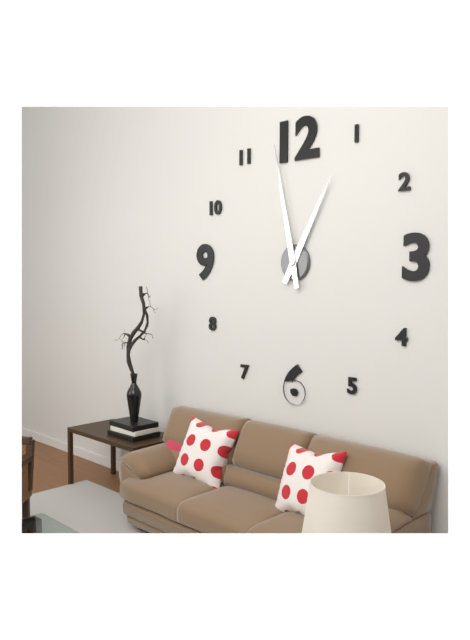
12.58
